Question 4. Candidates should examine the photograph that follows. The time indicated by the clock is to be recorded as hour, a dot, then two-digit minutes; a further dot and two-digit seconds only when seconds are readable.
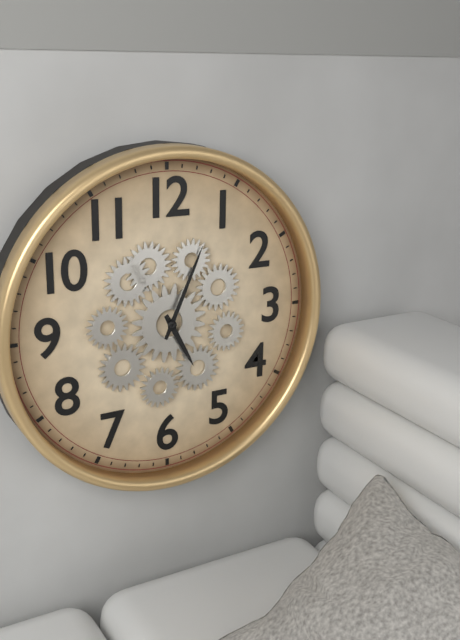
5.04
